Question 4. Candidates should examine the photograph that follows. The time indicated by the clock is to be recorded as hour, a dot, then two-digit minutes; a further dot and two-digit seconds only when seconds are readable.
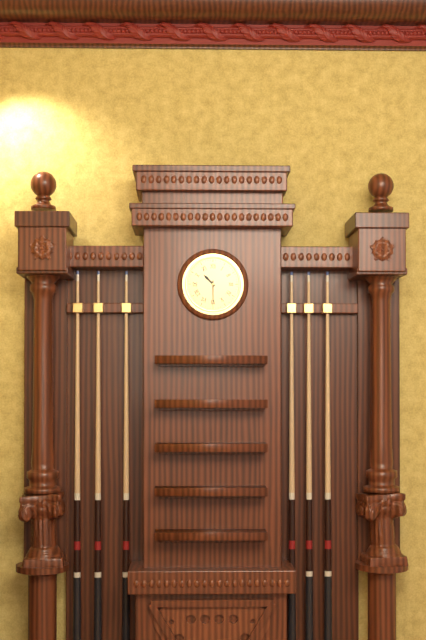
10.30
